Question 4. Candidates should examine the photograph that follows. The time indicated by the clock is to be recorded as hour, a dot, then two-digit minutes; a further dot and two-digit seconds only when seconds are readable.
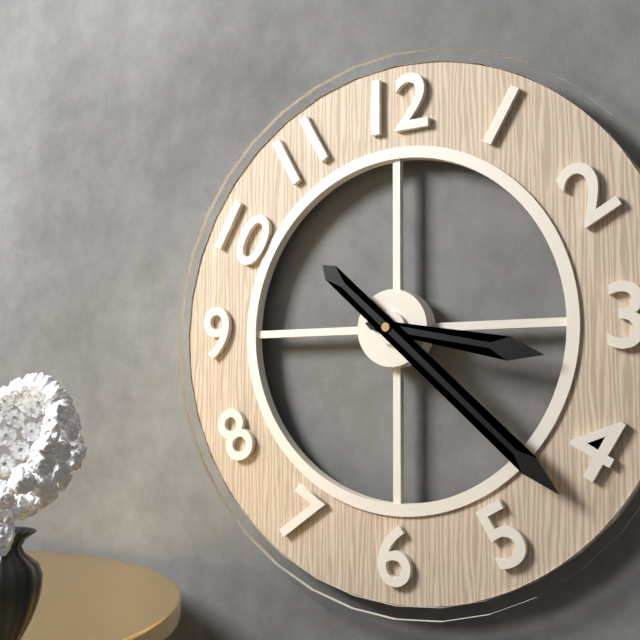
3.22
